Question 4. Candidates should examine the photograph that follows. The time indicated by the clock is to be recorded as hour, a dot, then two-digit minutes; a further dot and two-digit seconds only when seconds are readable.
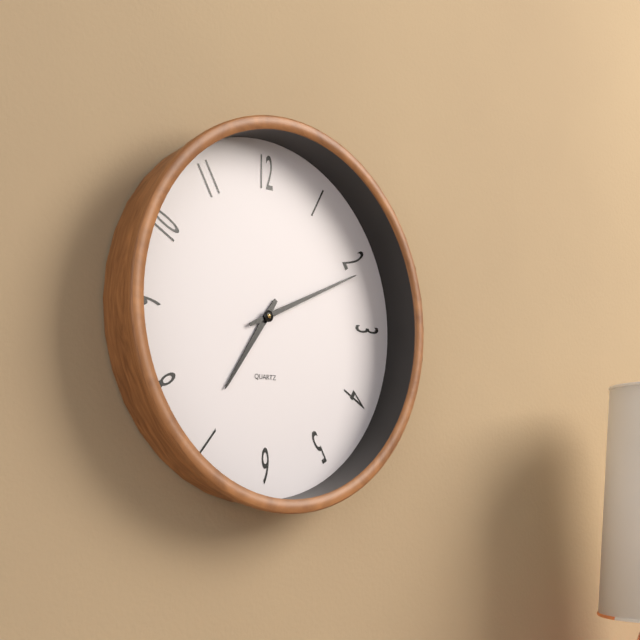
7.11
